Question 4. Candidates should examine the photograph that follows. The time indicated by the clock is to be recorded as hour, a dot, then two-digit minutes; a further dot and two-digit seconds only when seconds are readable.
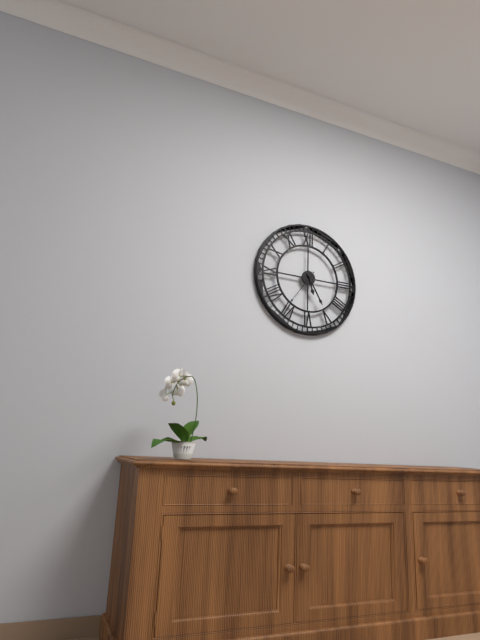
5.25
